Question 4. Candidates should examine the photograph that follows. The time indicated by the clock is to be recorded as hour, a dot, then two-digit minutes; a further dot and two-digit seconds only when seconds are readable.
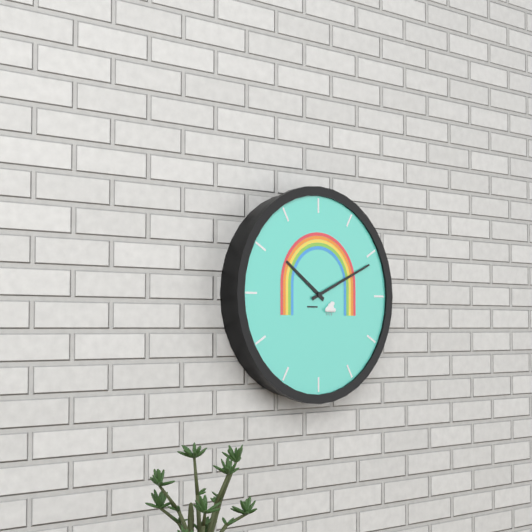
10.11
